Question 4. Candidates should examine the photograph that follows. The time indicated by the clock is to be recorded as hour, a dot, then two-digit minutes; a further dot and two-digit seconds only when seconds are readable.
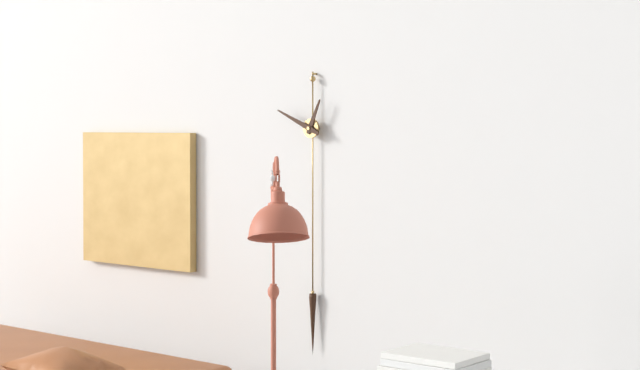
12.49
